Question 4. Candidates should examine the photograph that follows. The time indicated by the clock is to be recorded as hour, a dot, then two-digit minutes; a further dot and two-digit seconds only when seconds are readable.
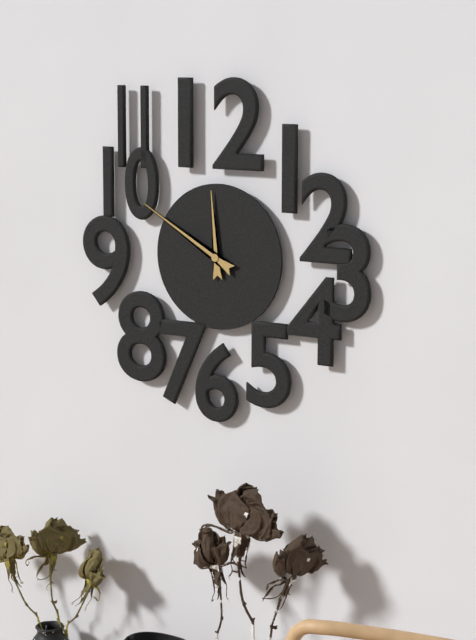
11.50
